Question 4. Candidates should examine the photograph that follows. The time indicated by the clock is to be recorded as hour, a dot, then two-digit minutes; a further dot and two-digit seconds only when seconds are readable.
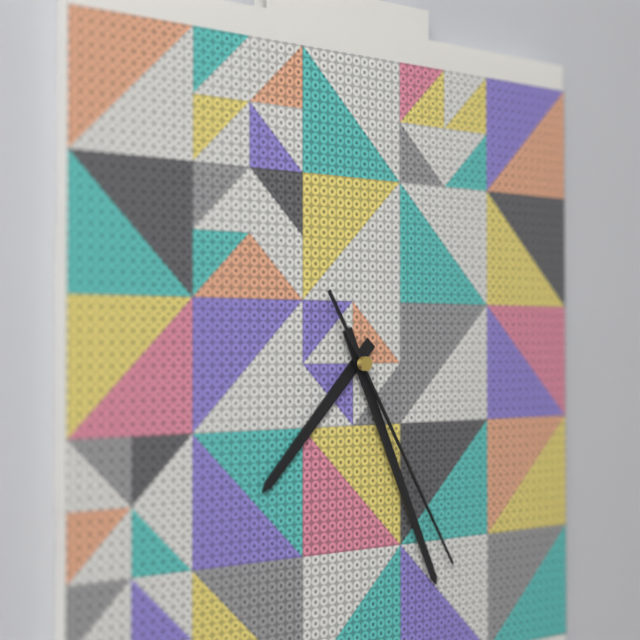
7.26.25
